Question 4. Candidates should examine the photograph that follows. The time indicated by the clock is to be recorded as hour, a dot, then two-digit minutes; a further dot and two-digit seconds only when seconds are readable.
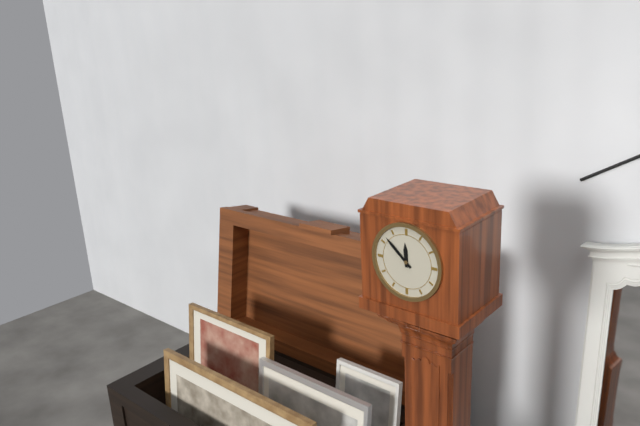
11.52
